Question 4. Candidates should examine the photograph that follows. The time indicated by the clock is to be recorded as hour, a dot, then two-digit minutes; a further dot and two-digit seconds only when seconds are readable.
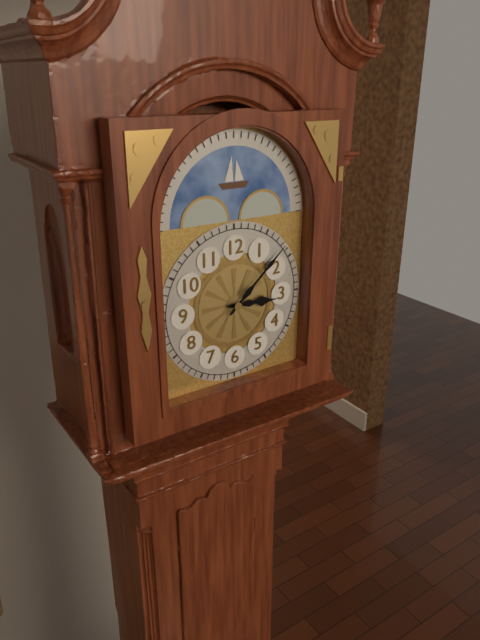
3.08
